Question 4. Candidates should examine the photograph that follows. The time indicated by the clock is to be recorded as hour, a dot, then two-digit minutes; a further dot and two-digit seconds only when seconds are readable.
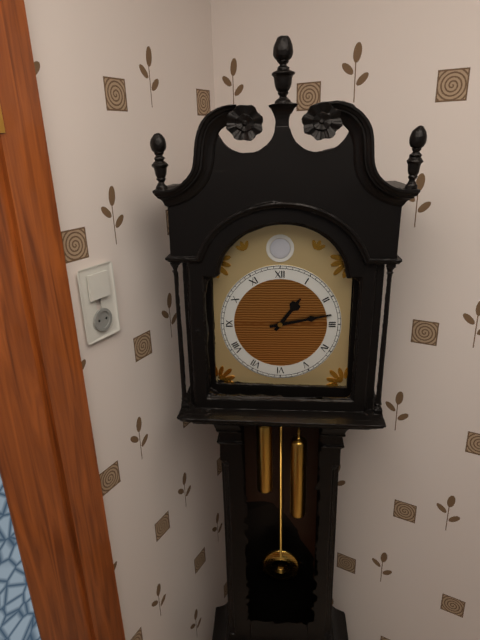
1.13
